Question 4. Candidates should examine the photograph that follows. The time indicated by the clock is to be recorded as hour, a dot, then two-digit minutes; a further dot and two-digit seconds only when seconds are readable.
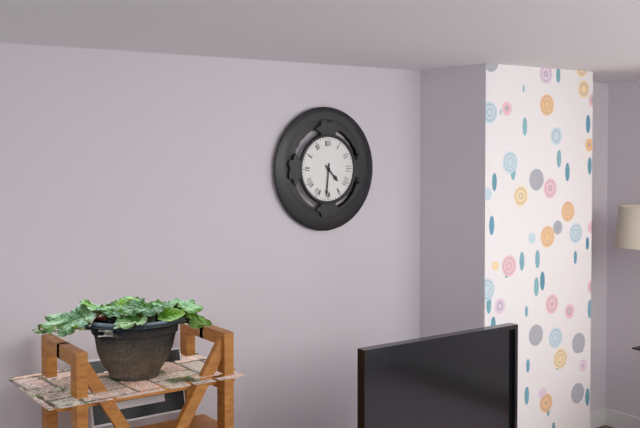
4.31
